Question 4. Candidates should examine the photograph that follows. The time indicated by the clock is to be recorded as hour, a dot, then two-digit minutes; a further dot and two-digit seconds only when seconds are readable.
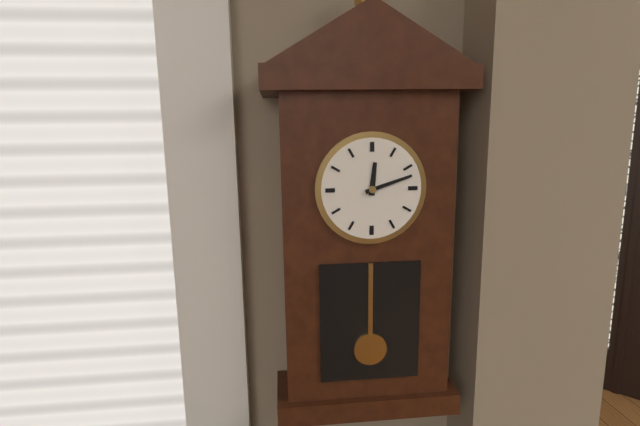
12.12
